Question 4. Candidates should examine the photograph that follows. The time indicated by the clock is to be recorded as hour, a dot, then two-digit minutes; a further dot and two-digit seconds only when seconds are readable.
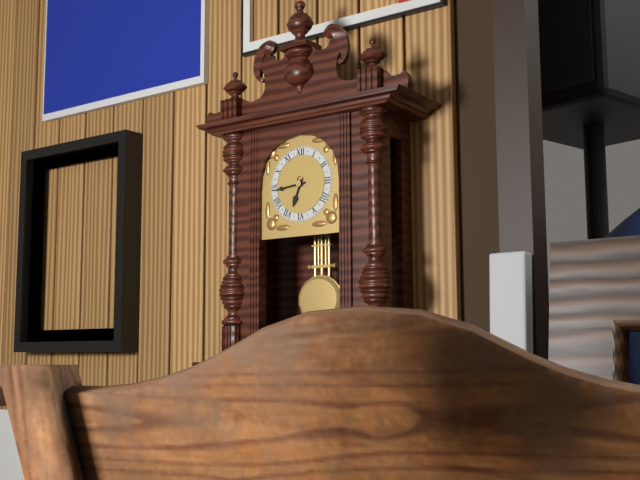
6.44
